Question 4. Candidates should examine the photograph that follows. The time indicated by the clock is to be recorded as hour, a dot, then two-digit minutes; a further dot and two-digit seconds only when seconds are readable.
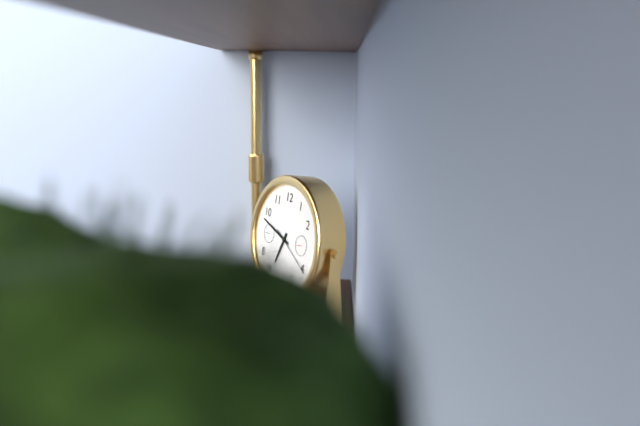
6.48.20
